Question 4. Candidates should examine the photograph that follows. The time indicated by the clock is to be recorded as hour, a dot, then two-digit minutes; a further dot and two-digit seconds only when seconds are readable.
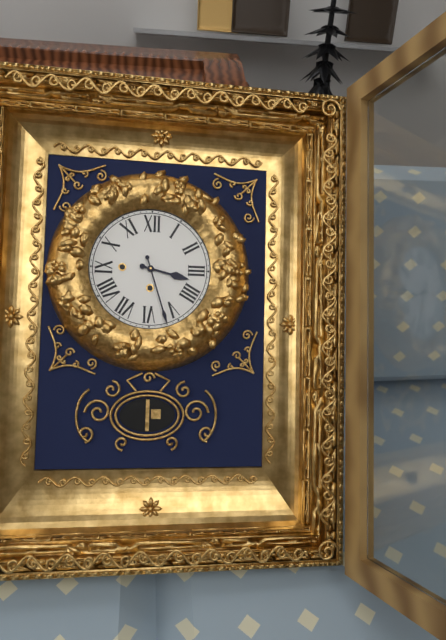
3.27
